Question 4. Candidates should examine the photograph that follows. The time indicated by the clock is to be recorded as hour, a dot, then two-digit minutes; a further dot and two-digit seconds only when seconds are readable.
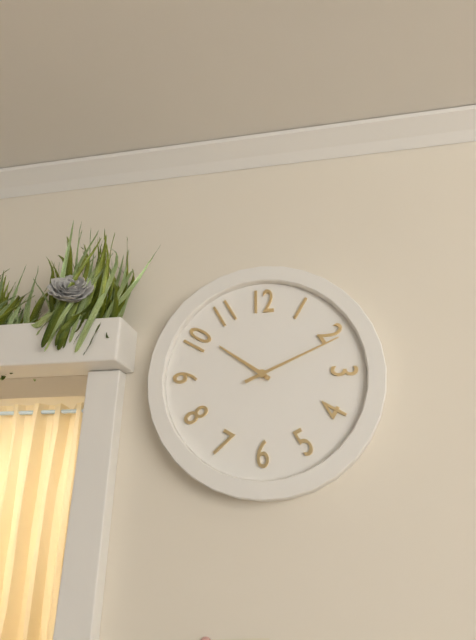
10.11
